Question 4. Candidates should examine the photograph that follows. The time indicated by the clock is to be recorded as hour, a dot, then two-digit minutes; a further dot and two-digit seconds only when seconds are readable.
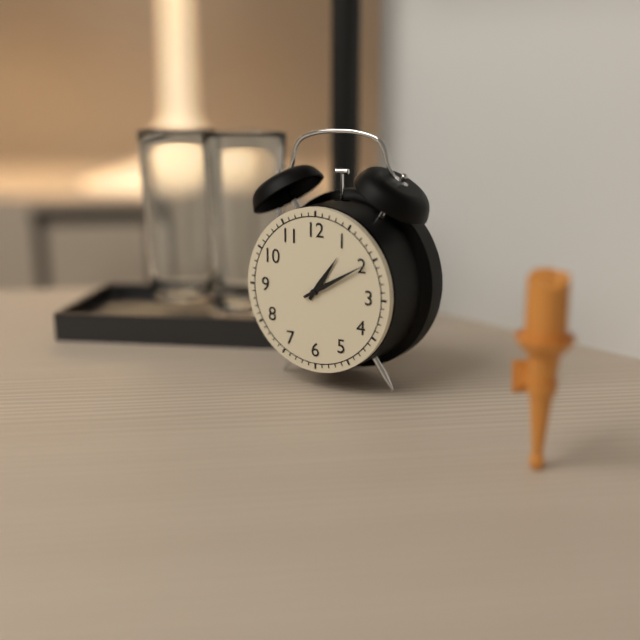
1.10
